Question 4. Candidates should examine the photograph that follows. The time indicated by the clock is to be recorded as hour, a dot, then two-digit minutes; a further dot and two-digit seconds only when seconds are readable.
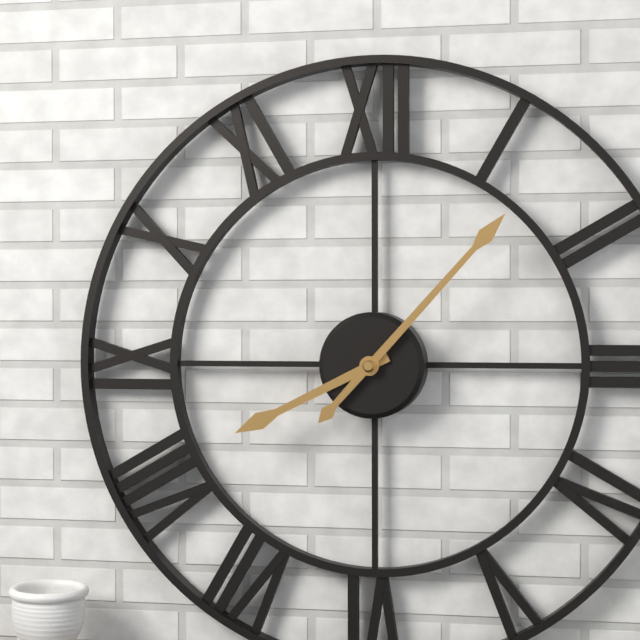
8.07
